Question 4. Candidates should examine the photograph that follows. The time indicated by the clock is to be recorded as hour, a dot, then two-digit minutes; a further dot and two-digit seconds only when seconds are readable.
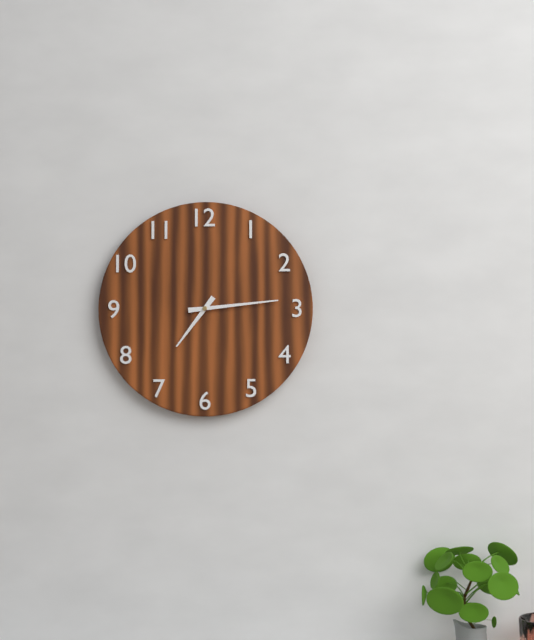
7.14
